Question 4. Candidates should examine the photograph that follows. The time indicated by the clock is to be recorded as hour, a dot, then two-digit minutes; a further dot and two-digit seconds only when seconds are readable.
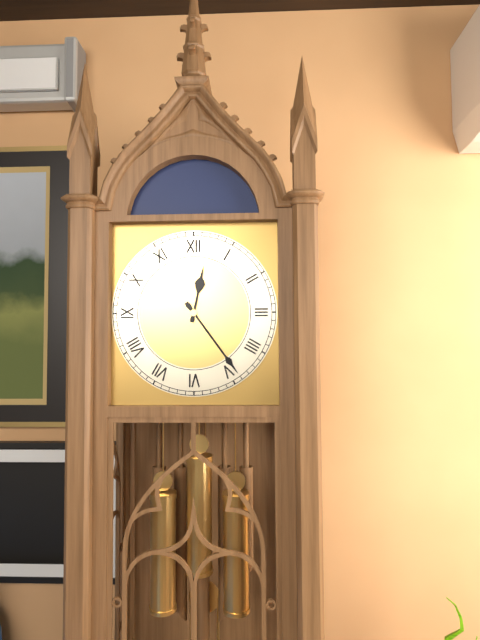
12.24
